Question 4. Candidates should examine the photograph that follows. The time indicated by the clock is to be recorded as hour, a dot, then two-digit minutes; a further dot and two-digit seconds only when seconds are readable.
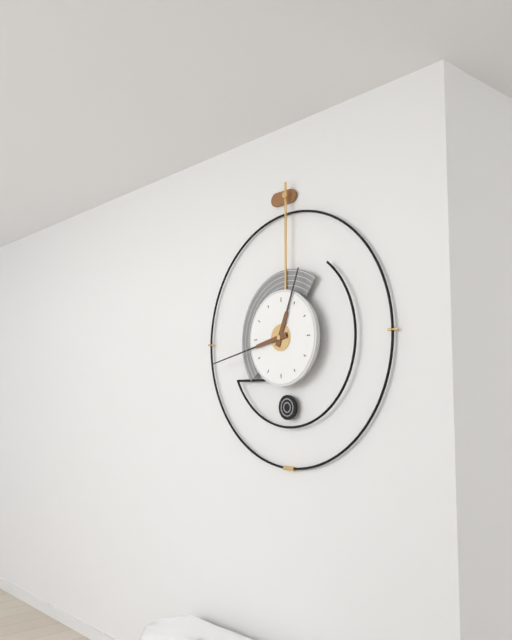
12.43
